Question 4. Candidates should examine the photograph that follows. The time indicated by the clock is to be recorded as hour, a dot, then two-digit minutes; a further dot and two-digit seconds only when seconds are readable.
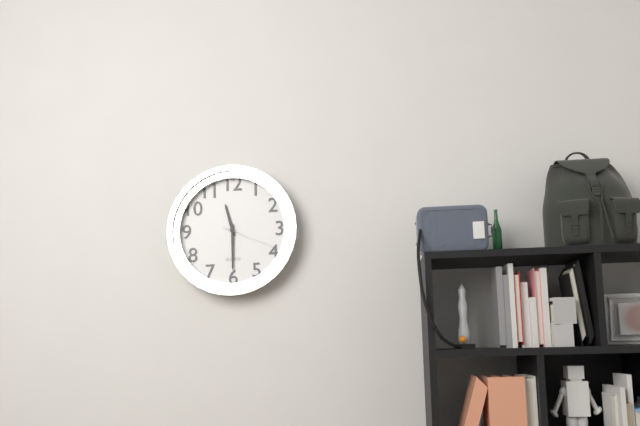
11.30.19
